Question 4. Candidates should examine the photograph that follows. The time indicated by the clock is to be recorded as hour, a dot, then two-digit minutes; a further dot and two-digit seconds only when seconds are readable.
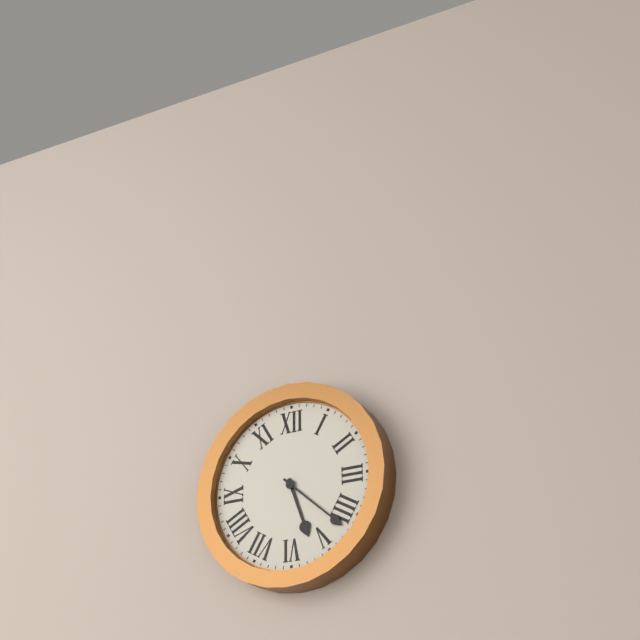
5.22
